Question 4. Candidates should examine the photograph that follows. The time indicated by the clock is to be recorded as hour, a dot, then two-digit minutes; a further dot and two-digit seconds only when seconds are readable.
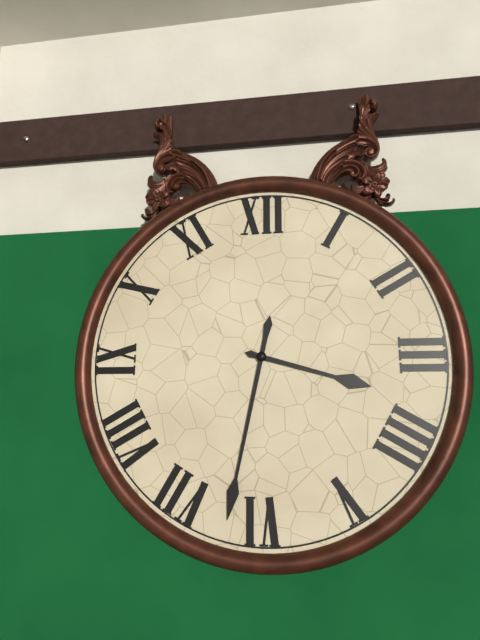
3.32
